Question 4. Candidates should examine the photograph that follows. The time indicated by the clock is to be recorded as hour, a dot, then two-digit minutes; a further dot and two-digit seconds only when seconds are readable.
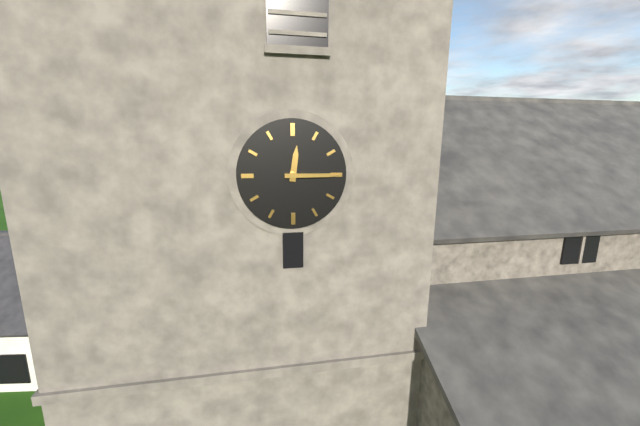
12.15
